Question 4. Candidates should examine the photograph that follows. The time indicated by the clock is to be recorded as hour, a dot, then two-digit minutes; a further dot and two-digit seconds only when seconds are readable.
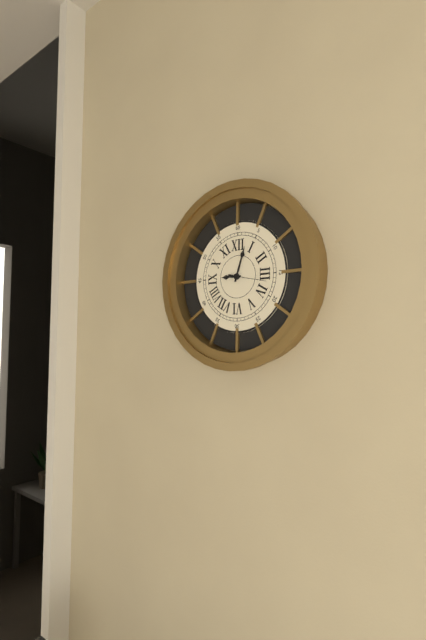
9.03
